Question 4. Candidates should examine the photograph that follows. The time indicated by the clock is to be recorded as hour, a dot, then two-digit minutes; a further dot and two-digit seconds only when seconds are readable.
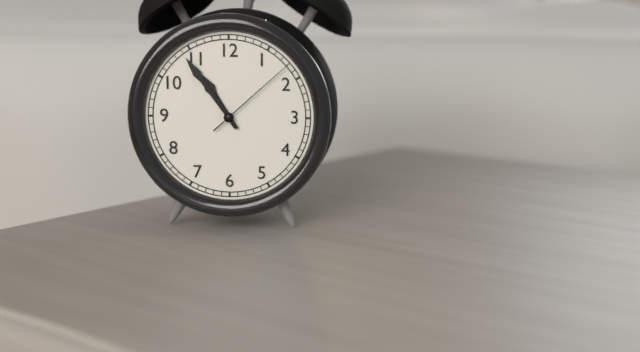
10.54.08
